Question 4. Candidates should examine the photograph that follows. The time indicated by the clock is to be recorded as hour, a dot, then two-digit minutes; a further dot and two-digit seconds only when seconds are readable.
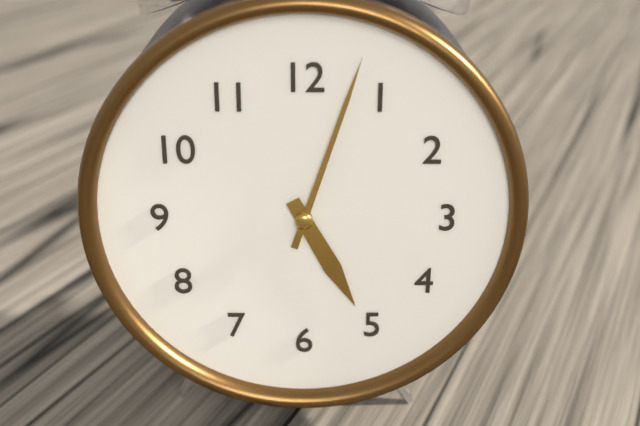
5.03
